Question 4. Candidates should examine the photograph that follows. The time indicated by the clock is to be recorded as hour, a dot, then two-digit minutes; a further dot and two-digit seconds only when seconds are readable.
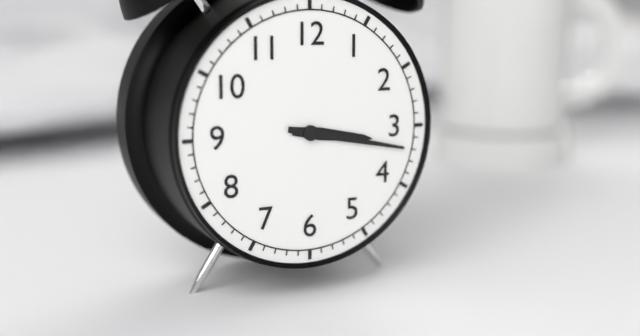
3.17
